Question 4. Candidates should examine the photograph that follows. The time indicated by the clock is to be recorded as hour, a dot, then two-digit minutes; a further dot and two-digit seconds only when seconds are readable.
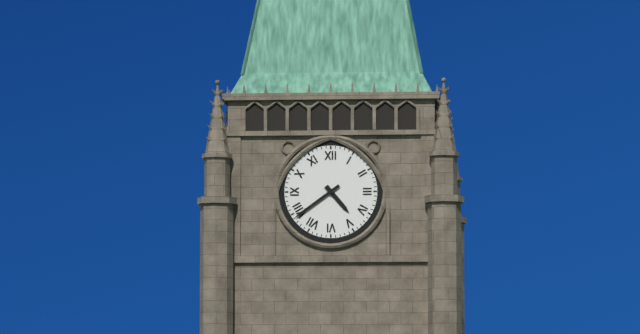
4.39
